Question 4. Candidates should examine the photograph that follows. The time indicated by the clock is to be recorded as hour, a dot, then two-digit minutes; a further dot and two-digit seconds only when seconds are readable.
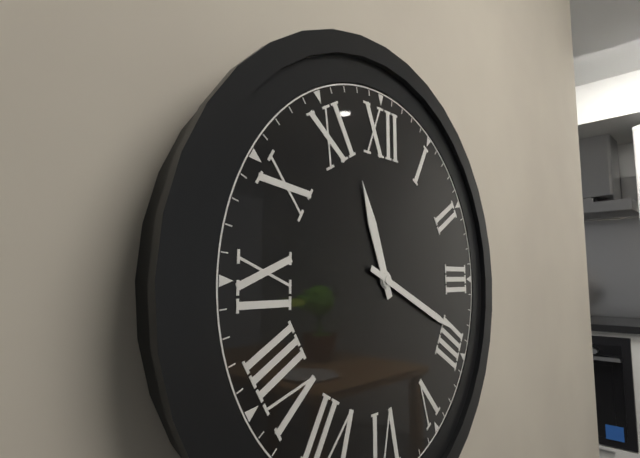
11.19
